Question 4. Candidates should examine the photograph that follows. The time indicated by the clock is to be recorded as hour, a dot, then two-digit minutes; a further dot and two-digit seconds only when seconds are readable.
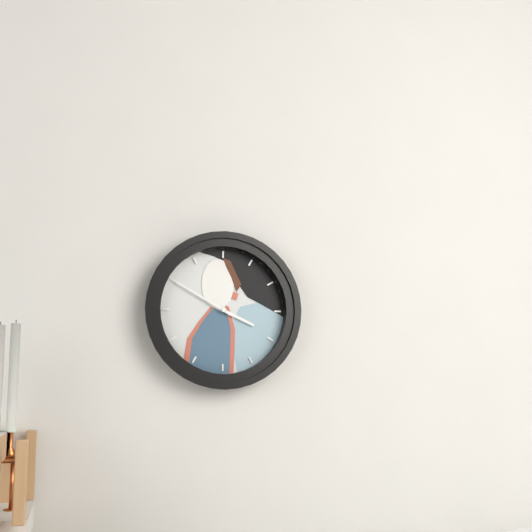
3.50
